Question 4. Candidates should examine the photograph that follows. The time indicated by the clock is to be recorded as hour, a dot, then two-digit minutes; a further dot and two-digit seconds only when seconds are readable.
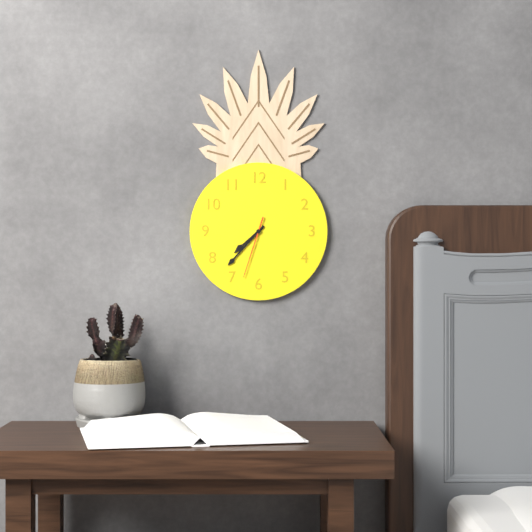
7.37.33
